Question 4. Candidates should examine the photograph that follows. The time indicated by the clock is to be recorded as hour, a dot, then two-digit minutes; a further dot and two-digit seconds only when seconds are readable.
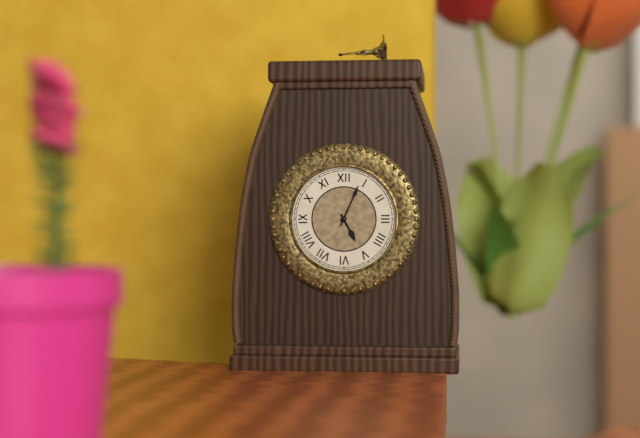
5.04
